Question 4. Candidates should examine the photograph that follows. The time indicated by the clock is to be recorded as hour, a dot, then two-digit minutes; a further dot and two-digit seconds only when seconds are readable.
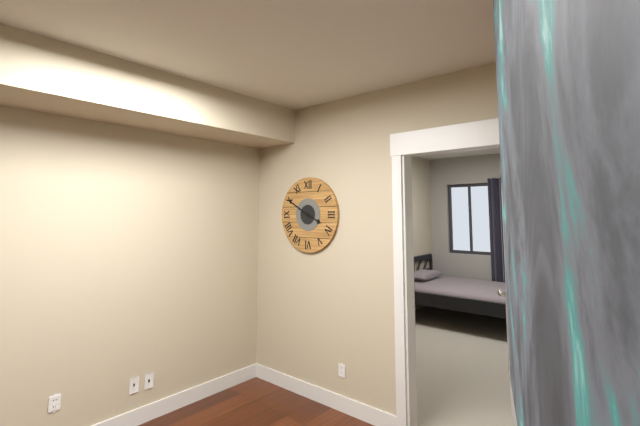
3.50
